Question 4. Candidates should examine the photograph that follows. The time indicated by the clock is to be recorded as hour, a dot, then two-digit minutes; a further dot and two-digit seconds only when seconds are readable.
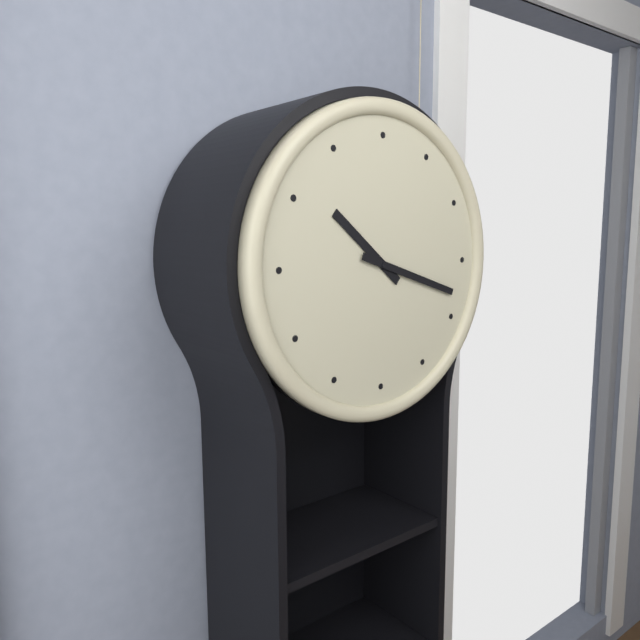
10.18
